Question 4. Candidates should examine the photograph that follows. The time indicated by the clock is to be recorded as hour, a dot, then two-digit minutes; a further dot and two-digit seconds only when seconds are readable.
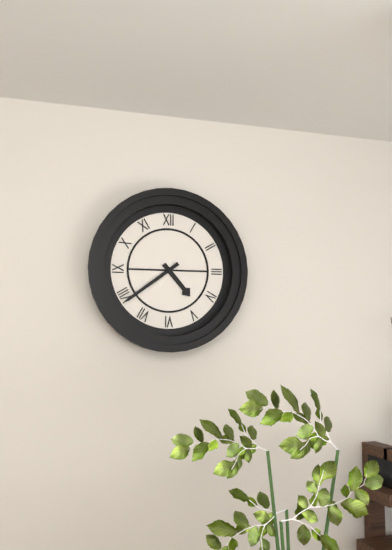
4.39
